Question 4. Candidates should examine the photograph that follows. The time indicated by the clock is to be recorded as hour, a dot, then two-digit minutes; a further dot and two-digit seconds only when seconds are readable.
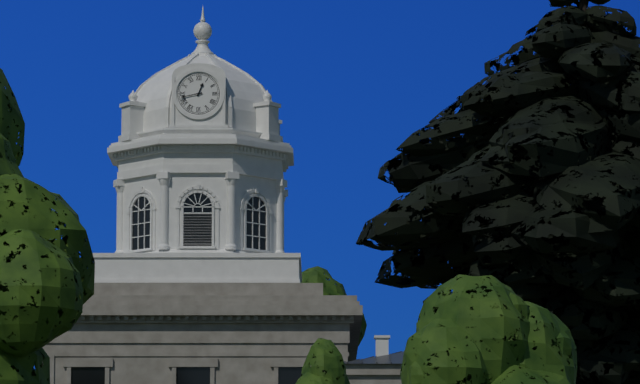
12.43
